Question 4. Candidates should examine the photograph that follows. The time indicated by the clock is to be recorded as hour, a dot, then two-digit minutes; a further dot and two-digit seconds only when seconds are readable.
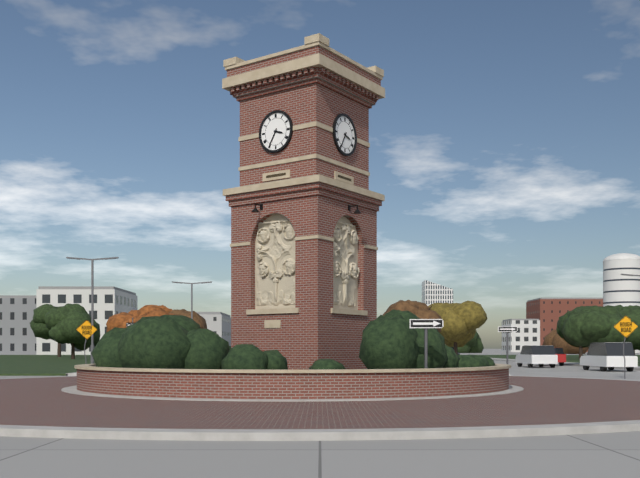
3.35
